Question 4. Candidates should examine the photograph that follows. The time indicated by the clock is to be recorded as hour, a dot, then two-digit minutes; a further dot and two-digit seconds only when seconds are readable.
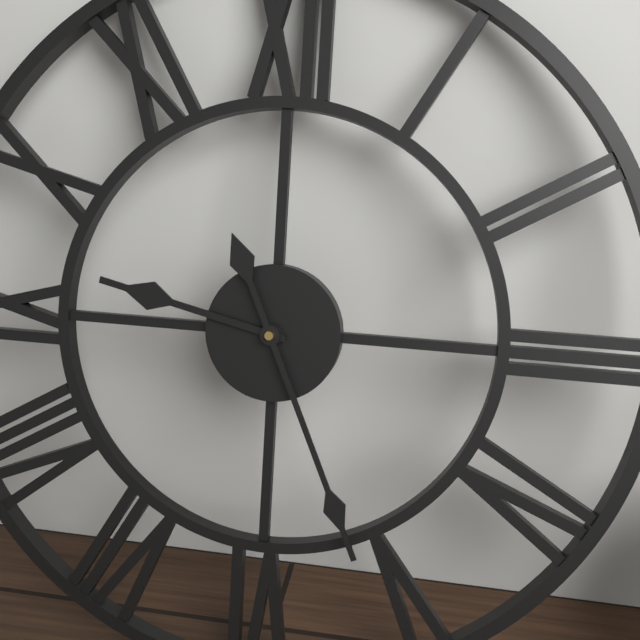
9.26
